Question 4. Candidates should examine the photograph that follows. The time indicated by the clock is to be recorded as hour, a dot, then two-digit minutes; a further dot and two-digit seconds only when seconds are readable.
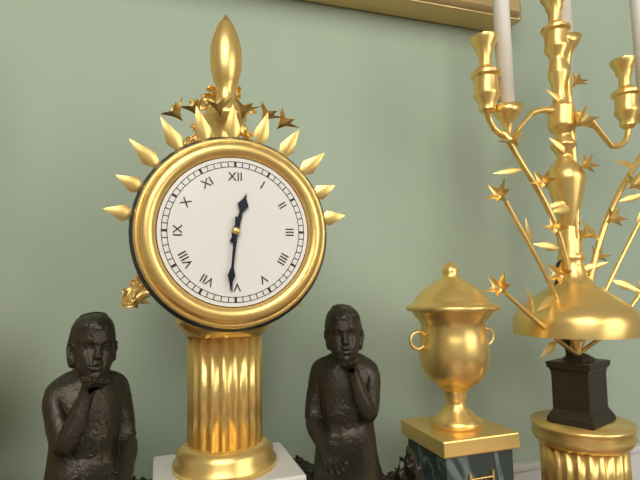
12.31
